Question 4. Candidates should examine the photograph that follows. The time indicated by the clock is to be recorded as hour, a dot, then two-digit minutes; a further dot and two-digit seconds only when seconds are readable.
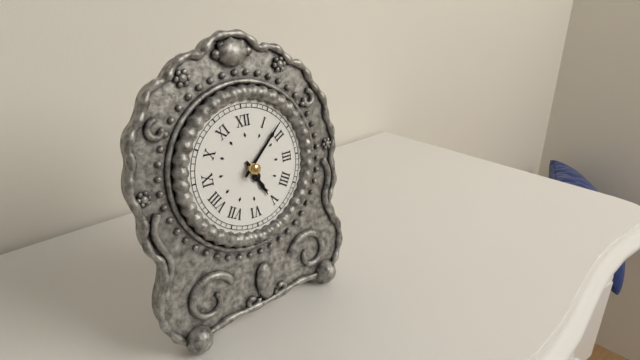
5.08
